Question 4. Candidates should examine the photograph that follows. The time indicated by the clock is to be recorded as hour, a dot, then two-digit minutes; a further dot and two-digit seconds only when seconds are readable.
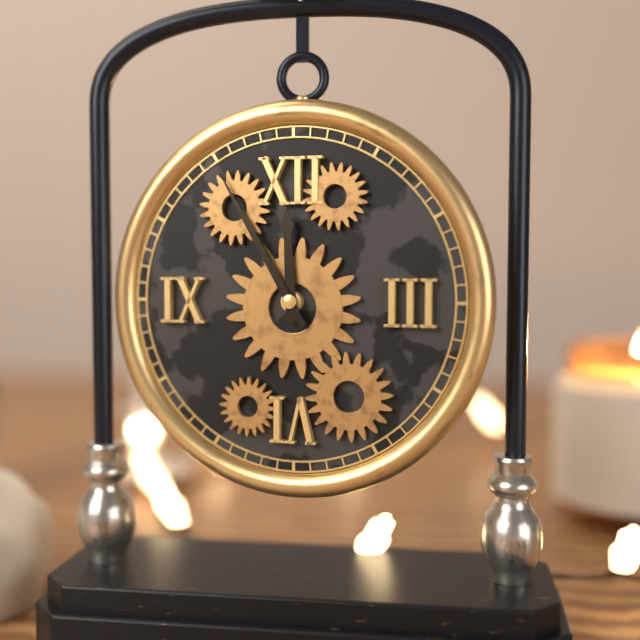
11.55
